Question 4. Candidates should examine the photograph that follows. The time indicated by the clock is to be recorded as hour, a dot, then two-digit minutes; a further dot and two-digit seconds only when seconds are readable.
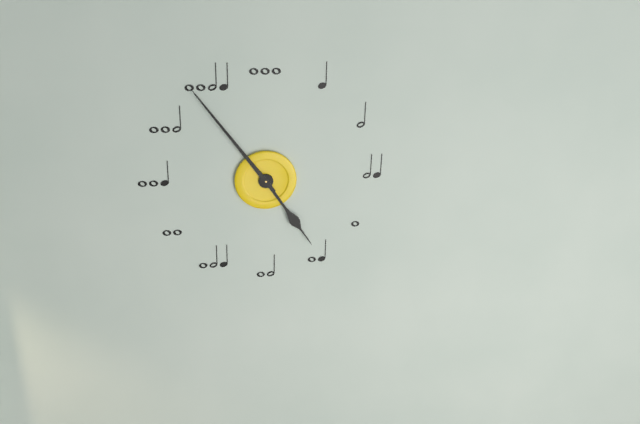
4.54
